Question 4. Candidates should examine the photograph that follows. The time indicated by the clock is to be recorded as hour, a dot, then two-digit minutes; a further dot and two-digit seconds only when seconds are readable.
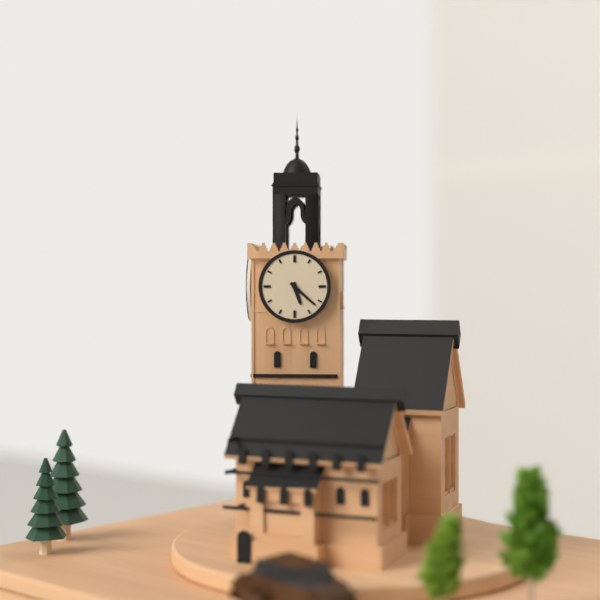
5.22
